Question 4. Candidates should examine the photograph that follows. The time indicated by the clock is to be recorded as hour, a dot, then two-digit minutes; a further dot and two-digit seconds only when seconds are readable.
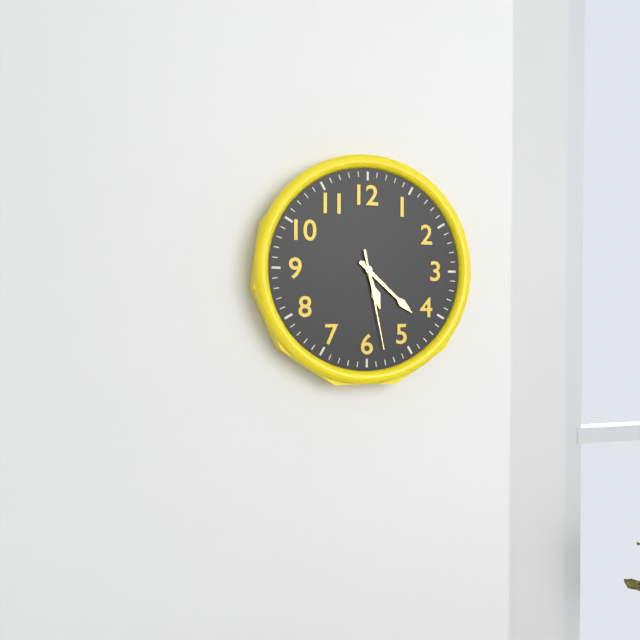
5.22.28
